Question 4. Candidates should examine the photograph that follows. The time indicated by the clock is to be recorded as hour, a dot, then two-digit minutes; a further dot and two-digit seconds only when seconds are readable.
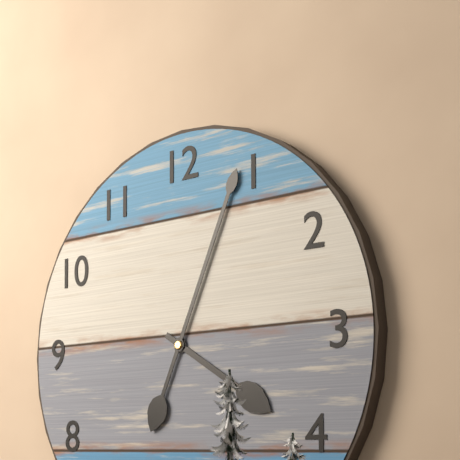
4.04
